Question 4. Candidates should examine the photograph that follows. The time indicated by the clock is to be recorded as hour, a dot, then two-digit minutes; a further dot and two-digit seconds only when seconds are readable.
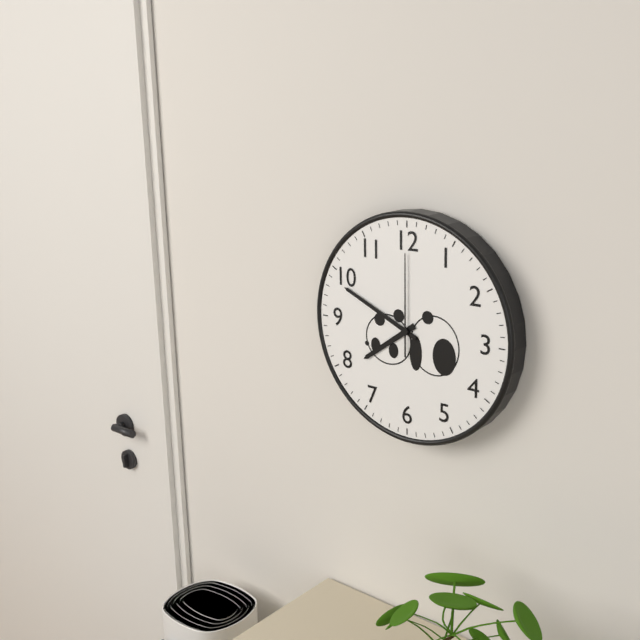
7.49.00
